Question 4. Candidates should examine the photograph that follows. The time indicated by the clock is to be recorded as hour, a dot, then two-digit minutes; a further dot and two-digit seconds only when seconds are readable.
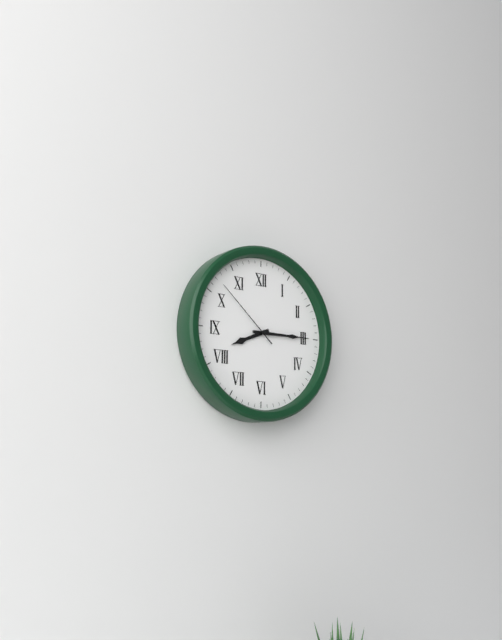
8.15.52
